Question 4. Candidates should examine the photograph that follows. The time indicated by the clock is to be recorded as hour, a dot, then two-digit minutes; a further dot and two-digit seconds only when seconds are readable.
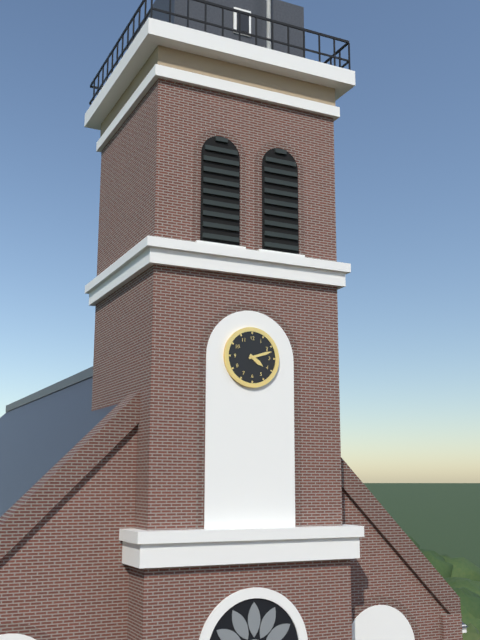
4.12
